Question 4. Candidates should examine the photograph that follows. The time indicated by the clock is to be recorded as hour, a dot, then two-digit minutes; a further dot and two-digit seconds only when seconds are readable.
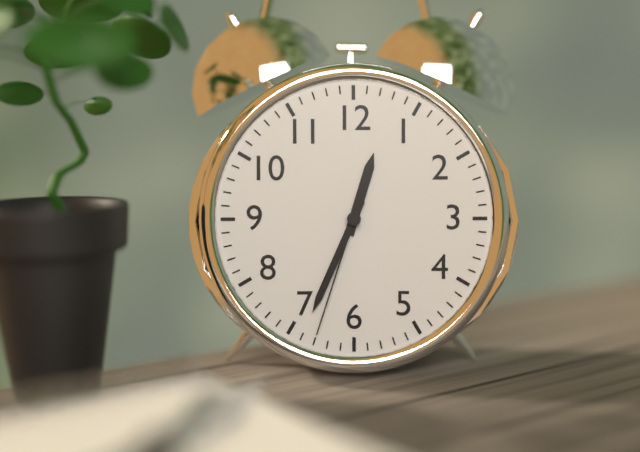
12.34.33
